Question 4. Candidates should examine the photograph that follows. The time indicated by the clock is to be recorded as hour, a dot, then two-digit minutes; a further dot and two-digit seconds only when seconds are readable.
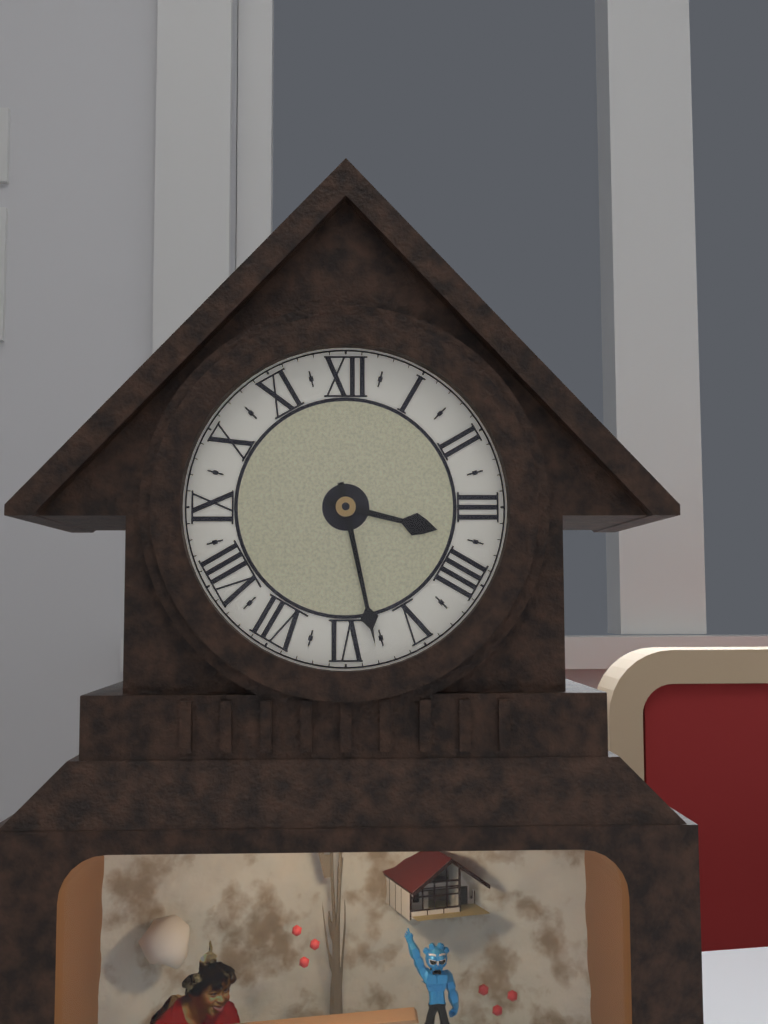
3.28
